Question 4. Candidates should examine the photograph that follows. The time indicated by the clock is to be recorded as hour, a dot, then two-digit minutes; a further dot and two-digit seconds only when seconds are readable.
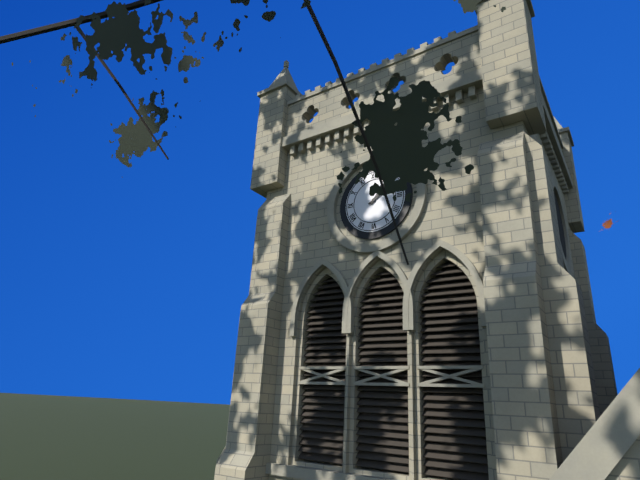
1.10
